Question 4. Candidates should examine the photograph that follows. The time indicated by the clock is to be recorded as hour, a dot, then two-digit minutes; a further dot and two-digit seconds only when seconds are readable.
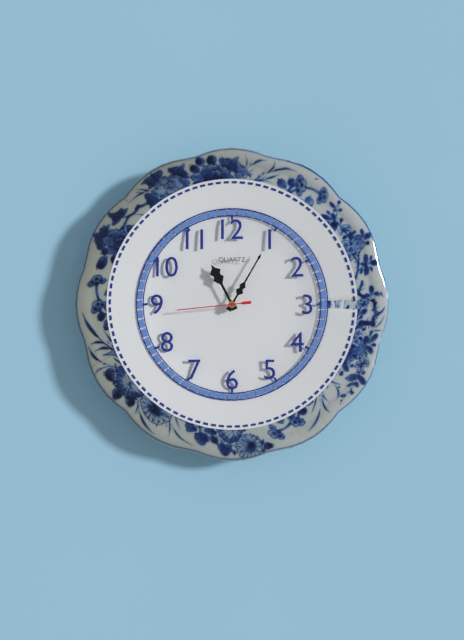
11.05.44
